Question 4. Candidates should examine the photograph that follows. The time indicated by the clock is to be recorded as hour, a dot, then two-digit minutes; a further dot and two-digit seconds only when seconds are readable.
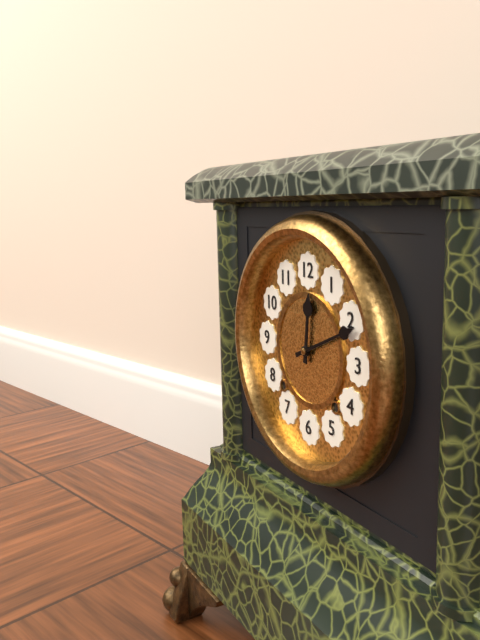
12.11
